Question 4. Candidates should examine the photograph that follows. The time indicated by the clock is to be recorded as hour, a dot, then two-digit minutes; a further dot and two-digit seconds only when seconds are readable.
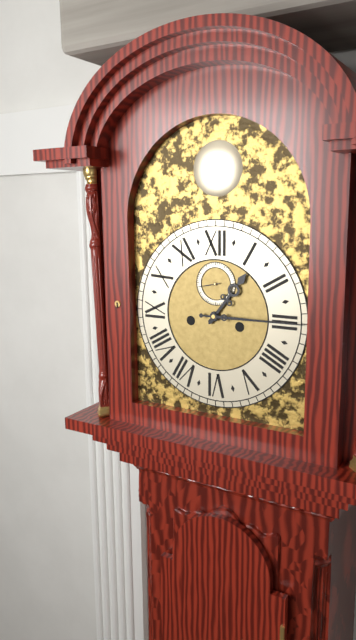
1.15
